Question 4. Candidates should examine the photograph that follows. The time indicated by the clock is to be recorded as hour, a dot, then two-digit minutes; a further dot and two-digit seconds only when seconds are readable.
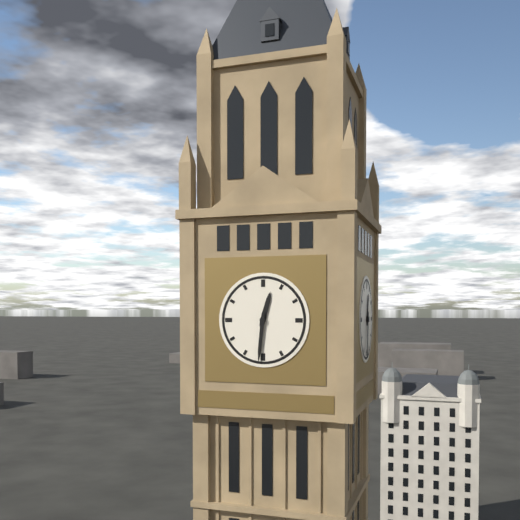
12.31
